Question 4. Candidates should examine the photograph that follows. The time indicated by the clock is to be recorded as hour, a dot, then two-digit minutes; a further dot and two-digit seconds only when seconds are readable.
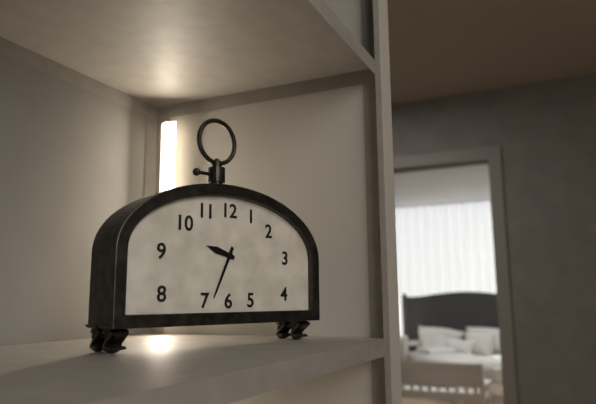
9.34
